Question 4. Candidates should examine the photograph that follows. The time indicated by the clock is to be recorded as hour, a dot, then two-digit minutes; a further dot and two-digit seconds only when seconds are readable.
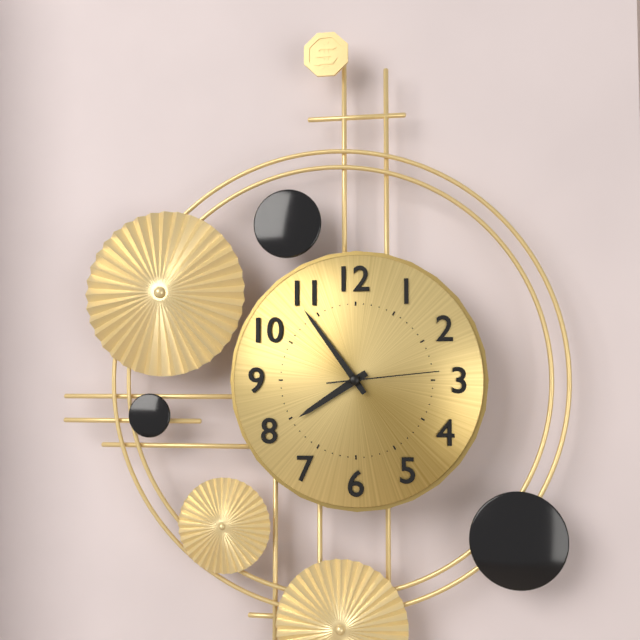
7.54.14
